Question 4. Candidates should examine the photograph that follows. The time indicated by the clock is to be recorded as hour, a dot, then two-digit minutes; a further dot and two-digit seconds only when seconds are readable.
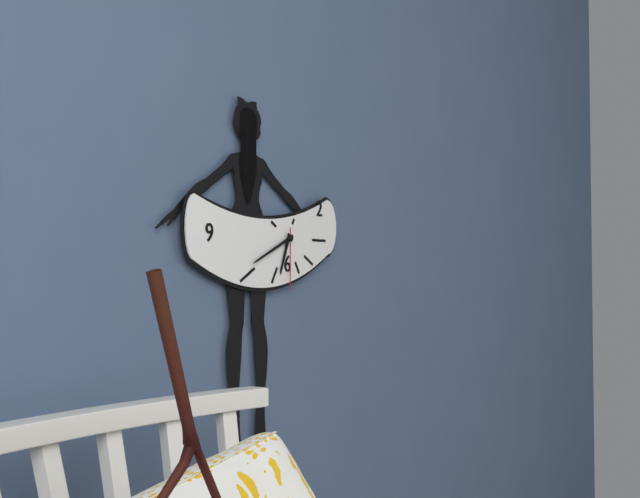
6.41.30
